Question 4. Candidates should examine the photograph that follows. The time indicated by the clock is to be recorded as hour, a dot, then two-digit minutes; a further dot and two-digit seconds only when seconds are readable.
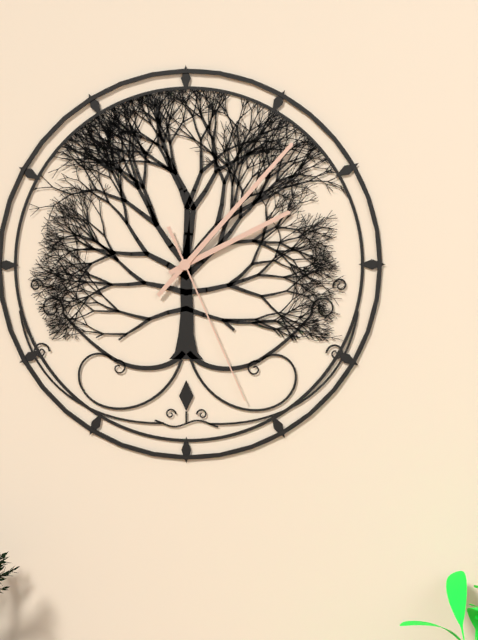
2.07.26
